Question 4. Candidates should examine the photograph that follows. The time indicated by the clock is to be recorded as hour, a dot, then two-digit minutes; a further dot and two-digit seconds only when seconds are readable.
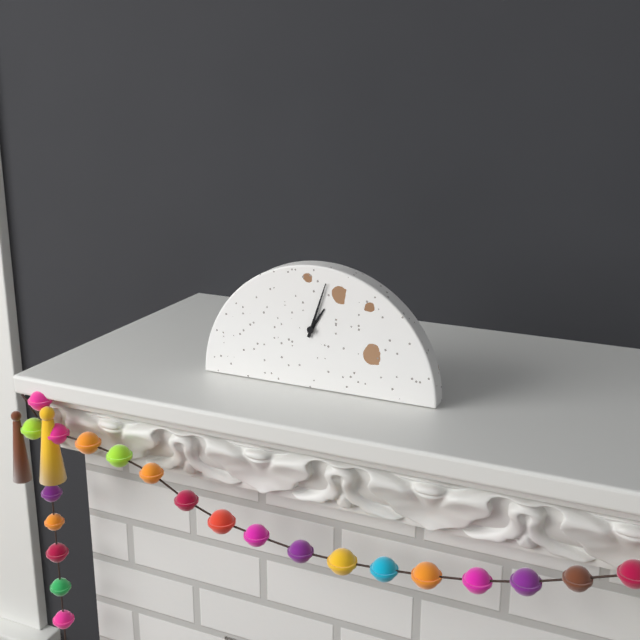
1.03
